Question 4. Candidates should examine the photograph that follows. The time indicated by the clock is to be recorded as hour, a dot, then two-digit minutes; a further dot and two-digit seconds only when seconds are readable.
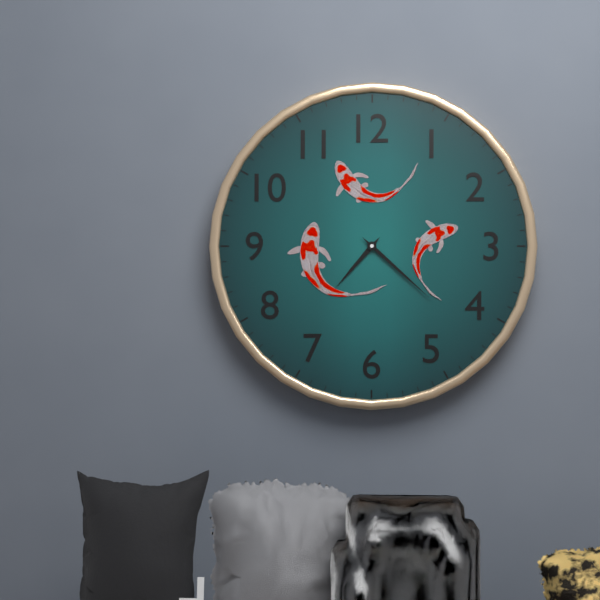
7.22
